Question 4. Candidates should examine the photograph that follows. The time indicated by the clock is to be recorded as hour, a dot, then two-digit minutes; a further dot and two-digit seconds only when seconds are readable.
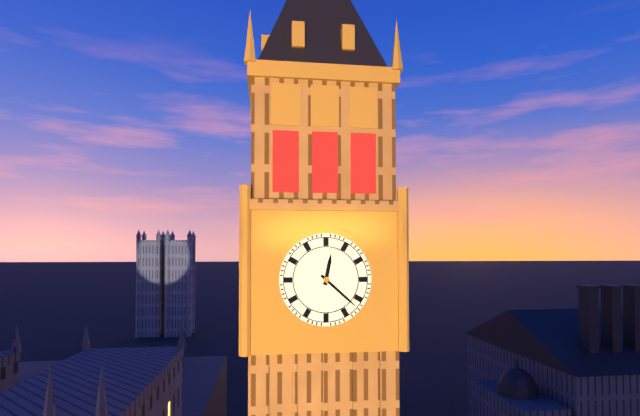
12.22
